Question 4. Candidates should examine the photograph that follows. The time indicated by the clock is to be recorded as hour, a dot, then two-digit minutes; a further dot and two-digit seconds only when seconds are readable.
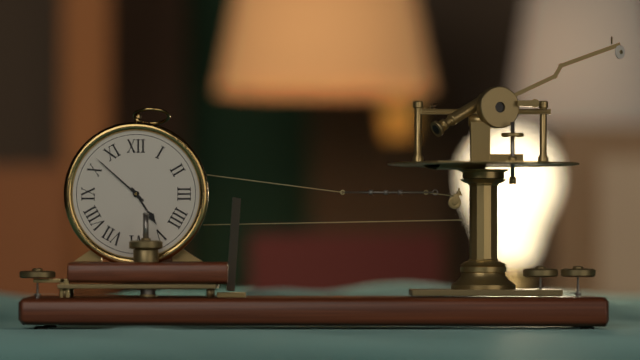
4.52
